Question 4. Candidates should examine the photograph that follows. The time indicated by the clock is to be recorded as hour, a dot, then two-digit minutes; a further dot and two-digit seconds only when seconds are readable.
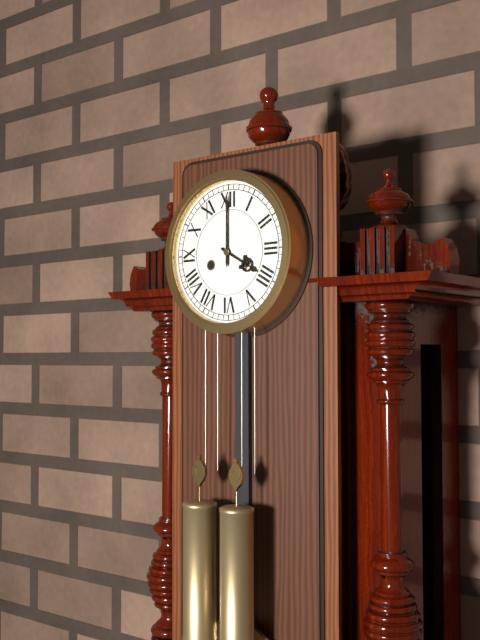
4.00
